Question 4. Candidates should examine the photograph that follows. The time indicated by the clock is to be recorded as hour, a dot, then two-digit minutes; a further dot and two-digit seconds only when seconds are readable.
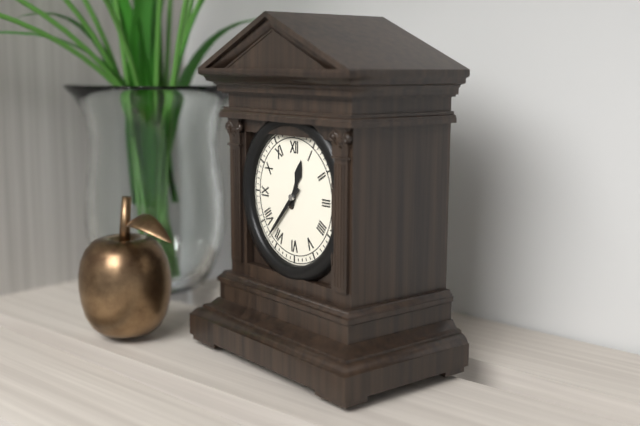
12.37
